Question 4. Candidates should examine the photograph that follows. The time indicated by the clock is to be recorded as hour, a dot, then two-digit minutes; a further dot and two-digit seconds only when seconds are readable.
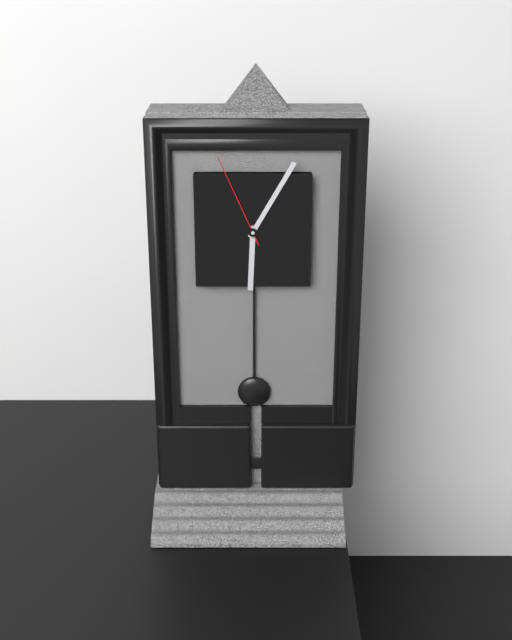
6.05.56
